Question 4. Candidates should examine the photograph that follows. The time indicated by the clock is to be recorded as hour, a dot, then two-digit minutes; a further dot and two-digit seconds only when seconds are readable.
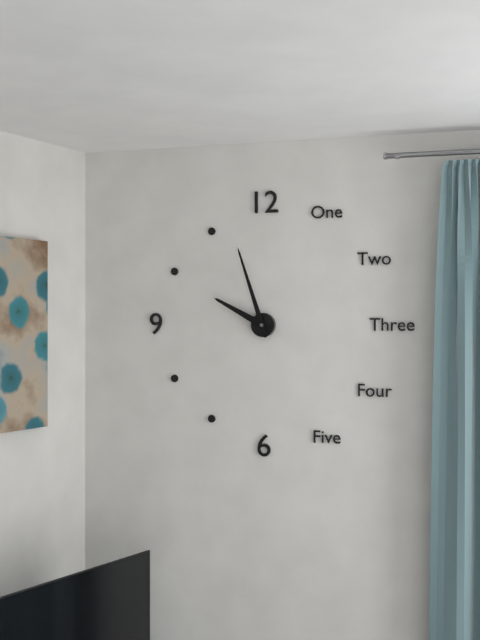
9.57
